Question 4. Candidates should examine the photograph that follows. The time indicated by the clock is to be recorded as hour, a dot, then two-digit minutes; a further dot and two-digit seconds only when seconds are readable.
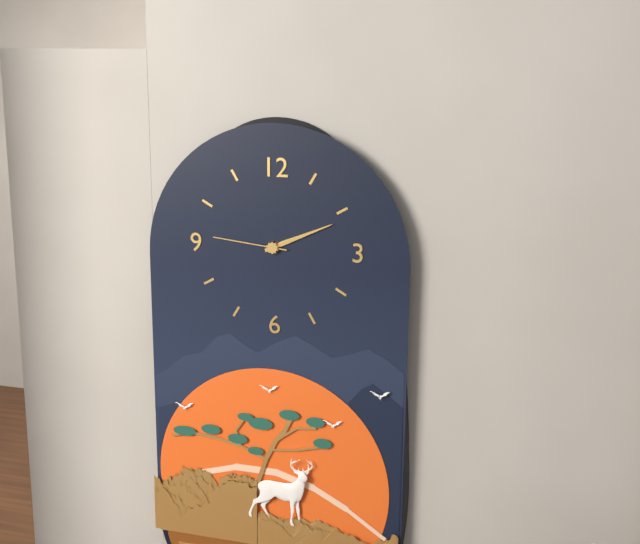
2.11.46
